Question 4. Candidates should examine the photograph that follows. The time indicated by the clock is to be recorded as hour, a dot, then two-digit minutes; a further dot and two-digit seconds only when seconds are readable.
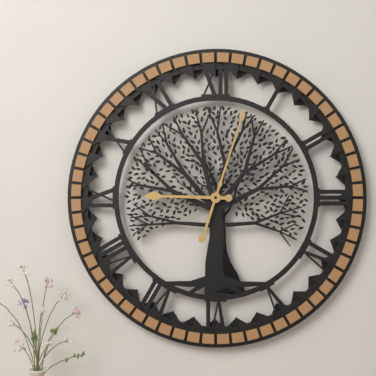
9.03
